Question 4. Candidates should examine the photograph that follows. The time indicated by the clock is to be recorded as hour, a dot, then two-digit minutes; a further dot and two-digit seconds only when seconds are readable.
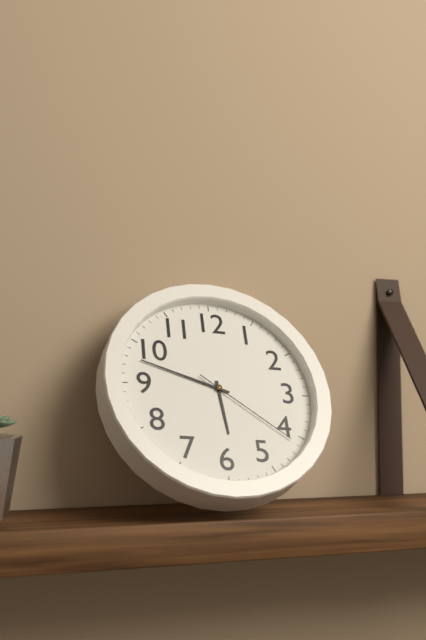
5.48.21
